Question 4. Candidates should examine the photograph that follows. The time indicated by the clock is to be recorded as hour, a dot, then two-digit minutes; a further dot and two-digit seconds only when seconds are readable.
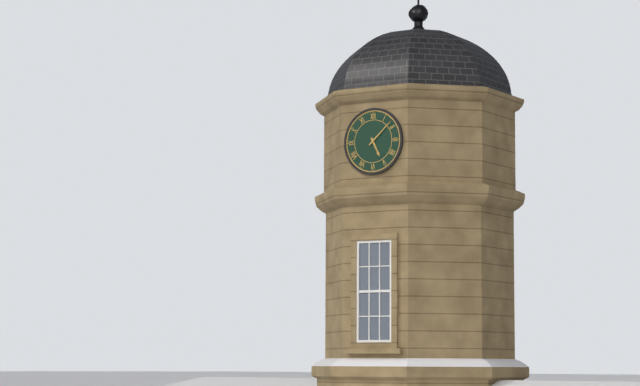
5.08
